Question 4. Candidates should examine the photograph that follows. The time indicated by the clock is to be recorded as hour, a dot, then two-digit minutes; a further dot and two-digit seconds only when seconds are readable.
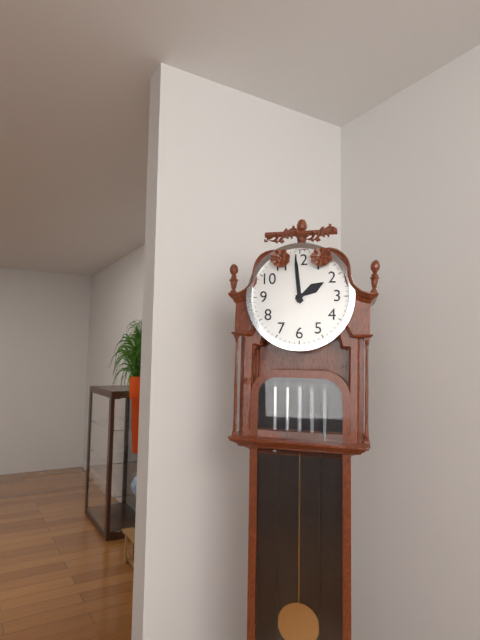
1.59
